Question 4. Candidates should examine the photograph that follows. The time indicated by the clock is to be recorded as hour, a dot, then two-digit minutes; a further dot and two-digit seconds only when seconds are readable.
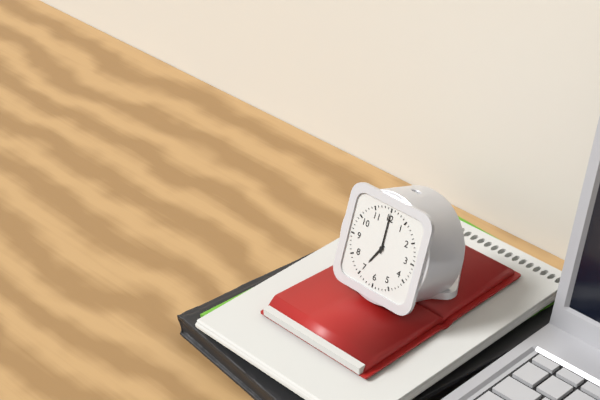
7.00
